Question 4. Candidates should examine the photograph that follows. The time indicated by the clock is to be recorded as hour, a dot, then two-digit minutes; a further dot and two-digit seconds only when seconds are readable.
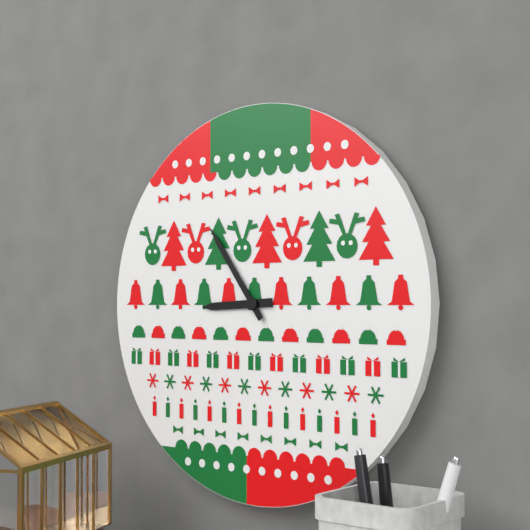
8.54
